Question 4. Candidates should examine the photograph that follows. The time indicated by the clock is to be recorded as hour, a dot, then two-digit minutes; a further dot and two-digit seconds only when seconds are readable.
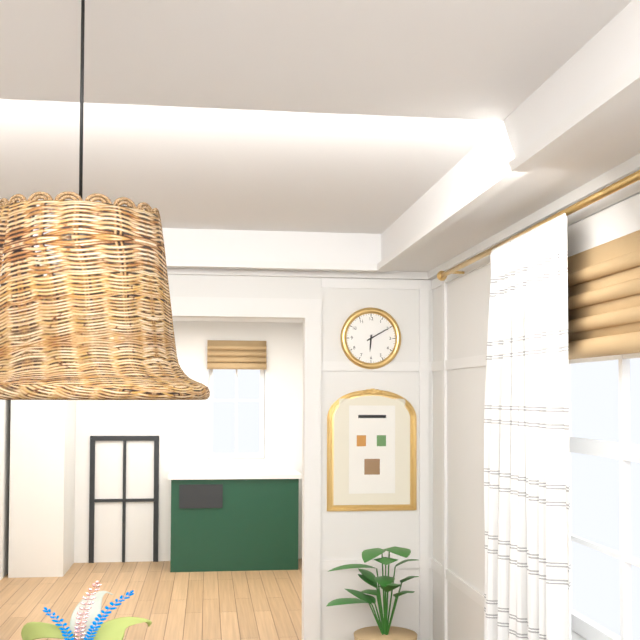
6.10
